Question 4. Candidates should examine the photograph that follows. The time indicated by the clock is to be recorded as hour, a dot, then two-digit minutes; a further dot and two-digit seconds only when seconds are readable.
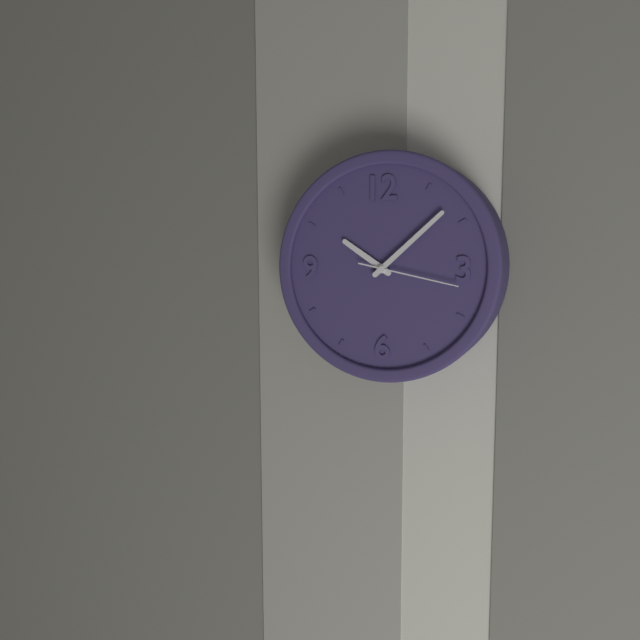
10.08.17
